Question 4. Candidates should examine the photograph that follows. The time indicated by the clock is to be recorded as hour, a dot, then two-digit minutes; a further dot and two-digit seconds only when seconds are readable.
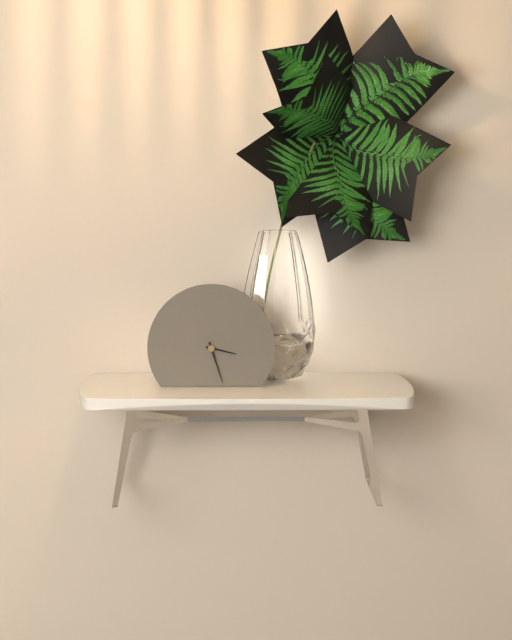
3.27
